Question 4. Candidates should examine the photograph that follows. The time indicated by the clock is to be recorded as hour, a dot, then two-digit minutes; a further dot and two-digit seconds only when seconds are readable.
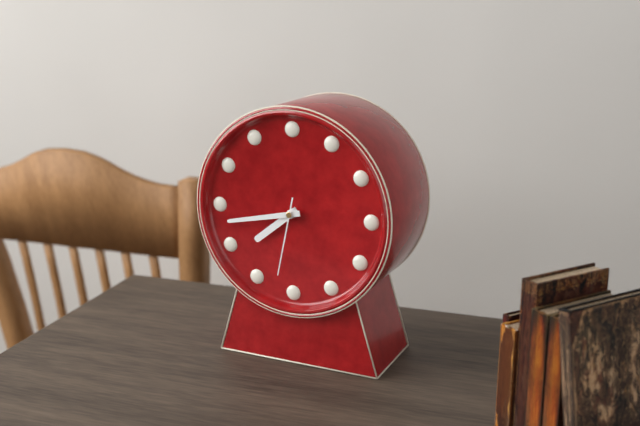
7.43.32
